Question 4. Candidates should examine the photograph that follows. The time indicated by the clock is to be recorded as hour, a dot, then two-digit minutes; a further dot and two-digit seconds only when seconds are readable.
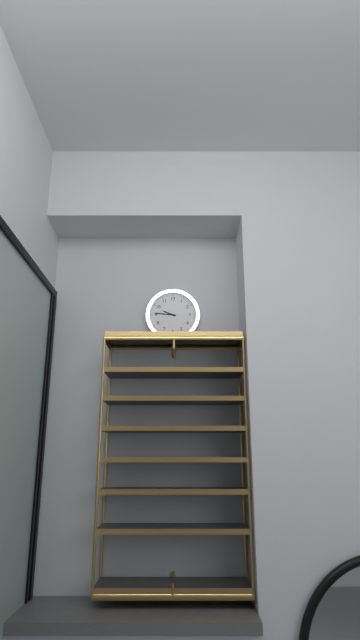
9.46
